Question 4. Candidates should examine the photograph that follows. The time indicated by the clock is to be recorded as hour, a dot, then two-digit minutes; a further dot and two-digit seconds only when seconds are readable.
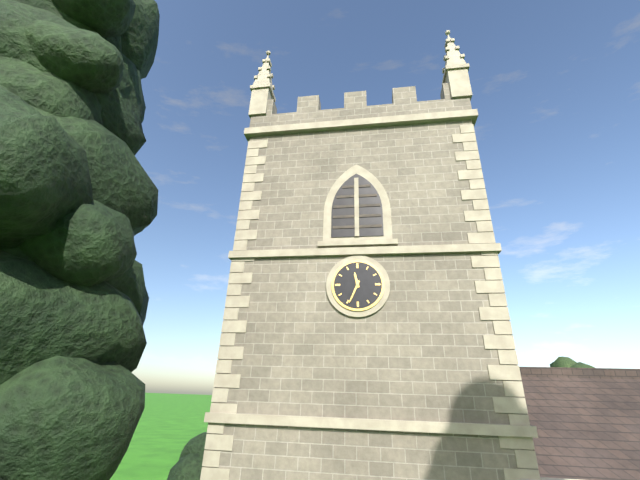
11.34
